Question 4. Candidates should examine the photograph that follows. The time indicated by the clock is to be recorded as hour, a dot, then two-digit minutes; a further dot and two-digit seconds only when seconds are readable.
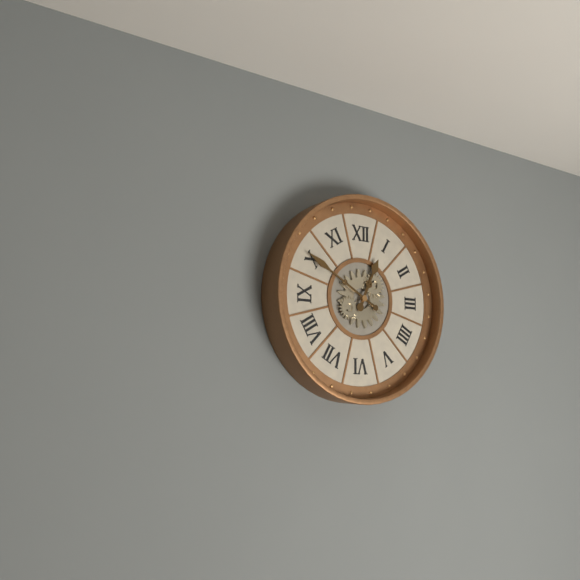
12.50
